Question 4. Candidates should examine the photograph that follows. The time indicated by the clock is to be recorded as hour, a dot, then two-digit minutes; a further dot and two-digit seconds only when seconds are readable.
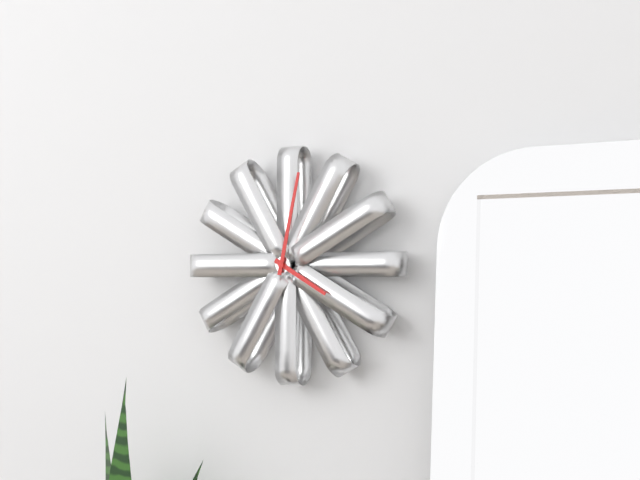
4.02
